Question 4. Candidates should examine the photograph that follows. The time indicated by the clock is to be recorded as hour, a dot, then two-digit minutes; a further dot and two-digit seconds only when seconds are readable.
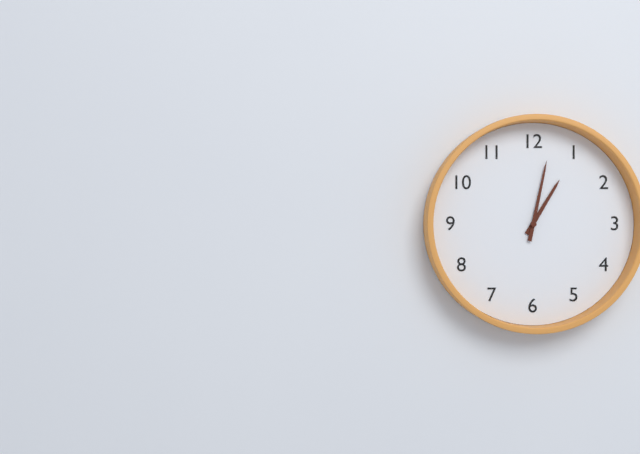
1.02
